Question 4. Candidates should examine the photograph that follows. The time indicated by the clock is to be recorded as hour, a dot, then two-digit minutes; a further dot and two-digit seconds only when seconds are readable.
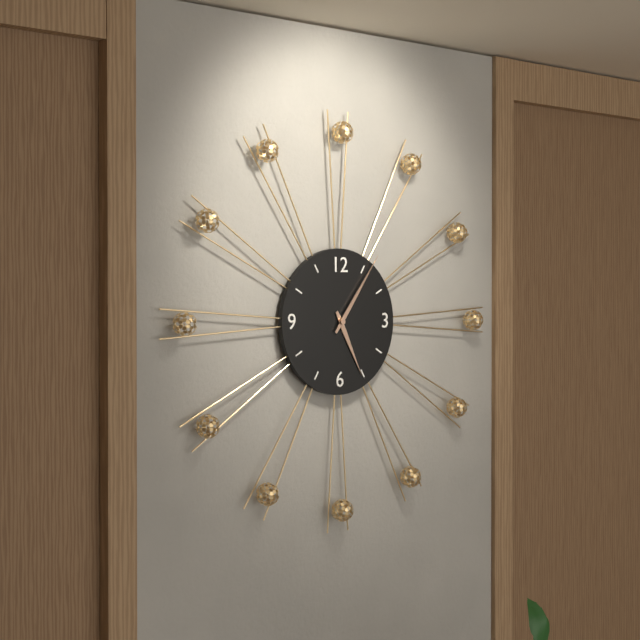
5.06
